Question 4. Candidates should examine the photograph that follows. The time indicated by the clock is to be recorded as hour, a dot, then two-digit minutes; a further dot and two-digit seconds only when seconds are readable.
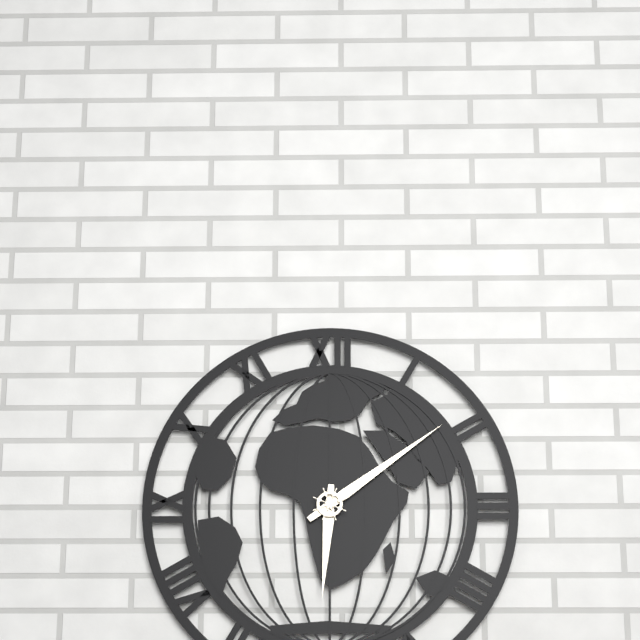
6.09
